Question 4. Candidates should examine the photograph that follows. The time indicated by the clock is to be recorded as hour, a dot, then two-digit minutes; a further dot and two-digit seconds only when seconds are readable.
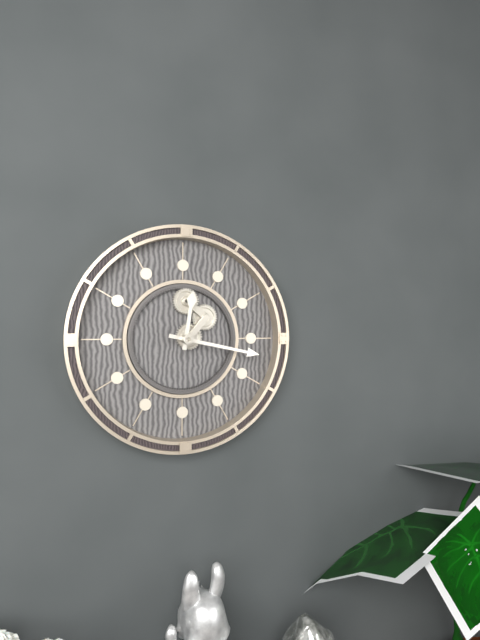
12.17
